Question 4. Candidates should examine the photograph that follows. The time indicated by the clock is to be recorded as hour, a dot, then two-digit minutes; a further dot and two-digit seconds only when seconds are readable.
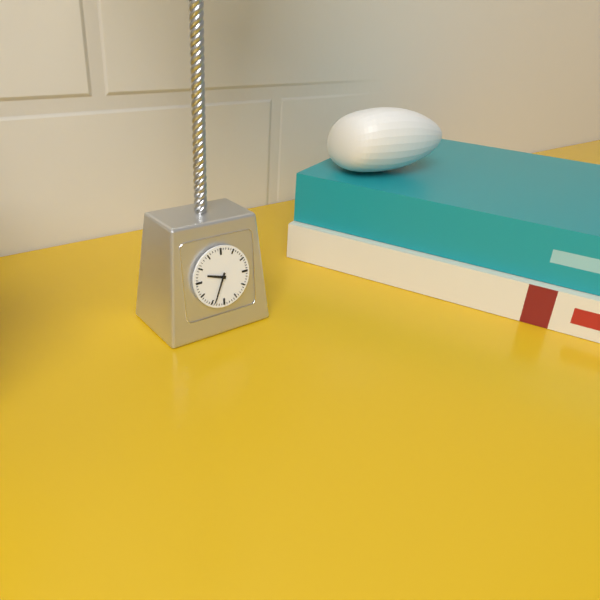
9.34
